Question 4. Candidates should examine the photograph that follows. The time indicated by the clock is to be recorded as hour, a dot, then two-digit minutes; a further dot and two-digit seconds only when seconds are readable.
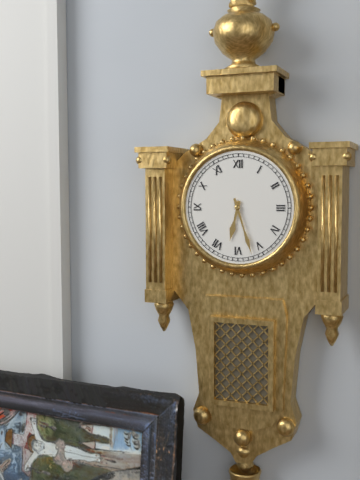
6.27
